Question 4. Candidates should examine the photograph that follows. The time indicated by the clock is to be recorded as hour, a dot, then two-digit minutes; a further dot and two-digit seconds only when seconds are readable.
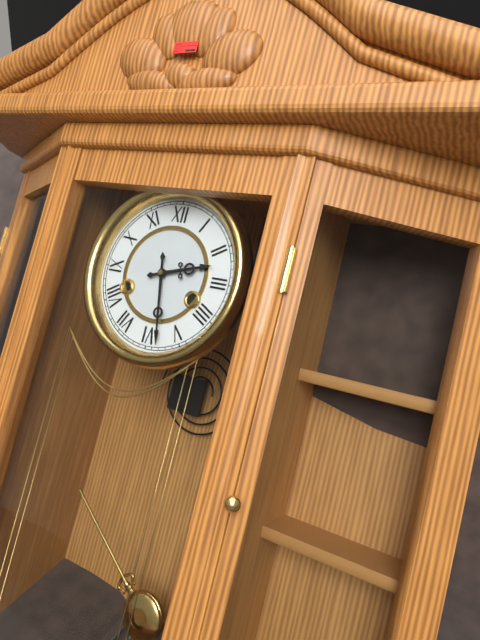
2.28
